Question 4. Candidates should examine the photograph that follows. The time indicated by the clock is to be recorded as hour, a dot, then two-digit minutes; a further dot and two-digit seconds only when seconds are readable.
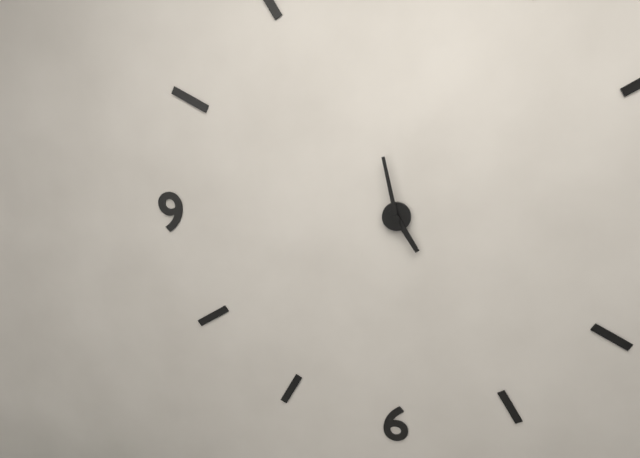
4.58
